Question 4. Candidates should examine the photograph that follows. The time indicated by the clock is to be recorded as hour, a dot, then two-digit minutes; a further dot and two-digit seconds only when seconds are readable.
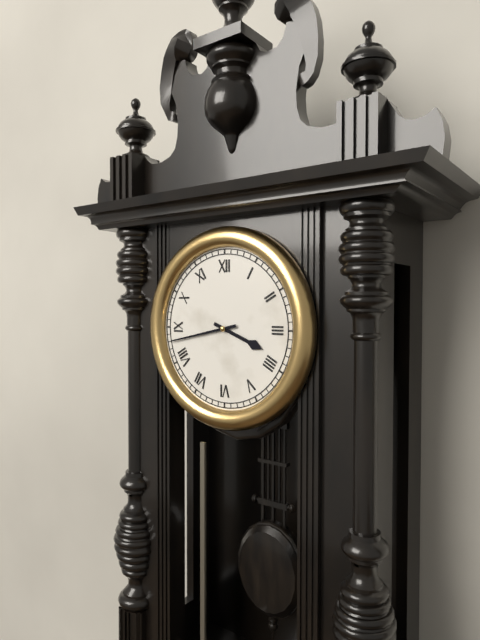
3.43
